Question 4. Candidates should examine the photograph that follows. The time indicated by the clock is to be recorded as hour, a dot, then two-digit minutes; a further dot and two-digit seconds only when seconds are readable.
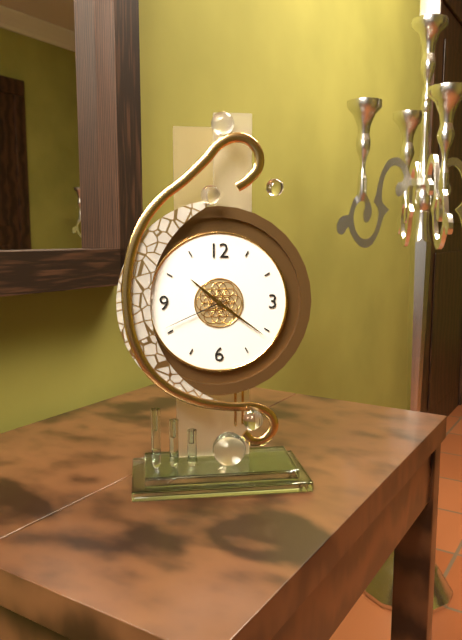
10.21.41
